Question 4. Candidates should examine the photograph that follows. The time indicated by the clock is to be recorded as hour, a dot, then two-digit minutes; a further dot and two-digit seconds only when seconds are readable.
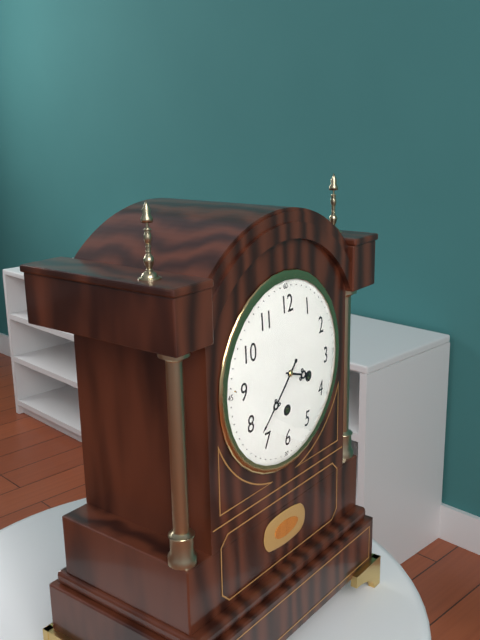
3.37
